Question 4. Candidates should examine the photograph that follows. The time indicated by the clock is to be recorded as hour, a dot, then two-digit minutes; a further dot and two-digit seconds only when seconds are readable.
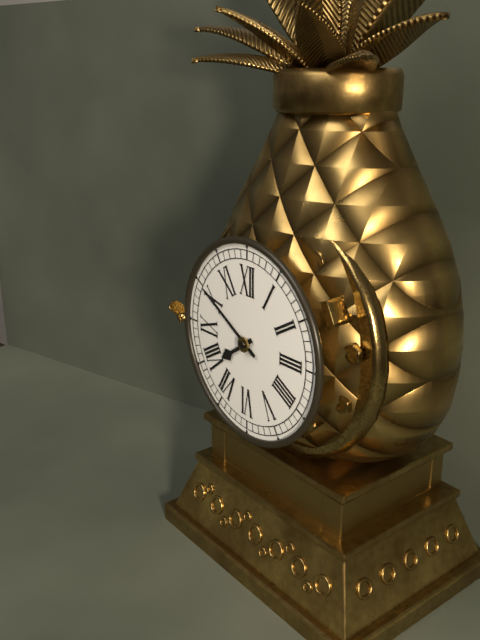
7.50
